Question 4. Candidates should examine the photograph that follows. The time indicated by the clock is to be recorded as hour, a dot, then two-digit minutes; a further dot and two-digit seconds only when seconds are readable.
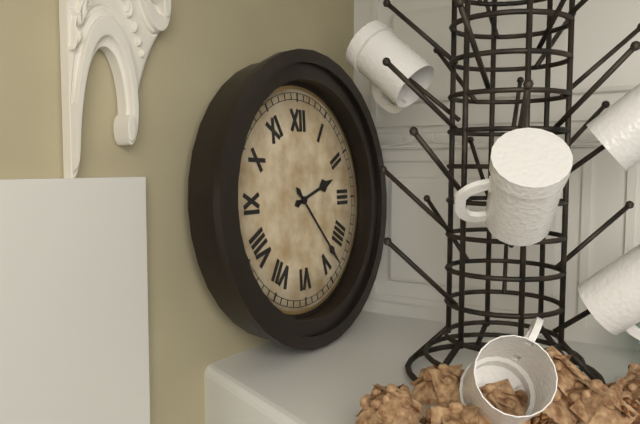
2.23
